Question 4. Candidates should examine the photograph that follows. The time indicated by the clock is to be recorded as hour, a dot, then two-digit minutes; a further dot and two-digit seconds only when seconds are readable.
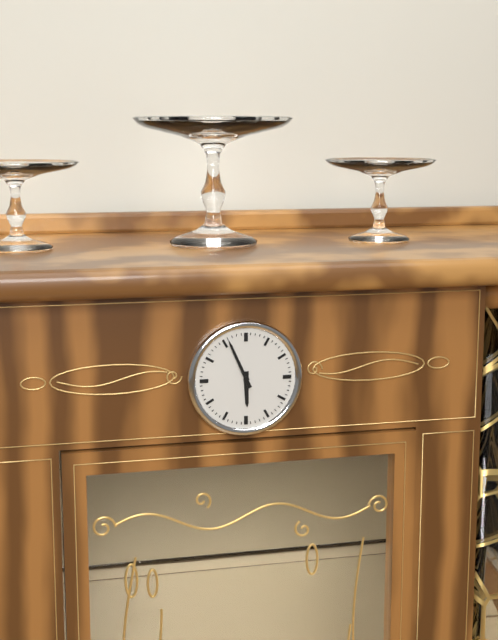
5.56
